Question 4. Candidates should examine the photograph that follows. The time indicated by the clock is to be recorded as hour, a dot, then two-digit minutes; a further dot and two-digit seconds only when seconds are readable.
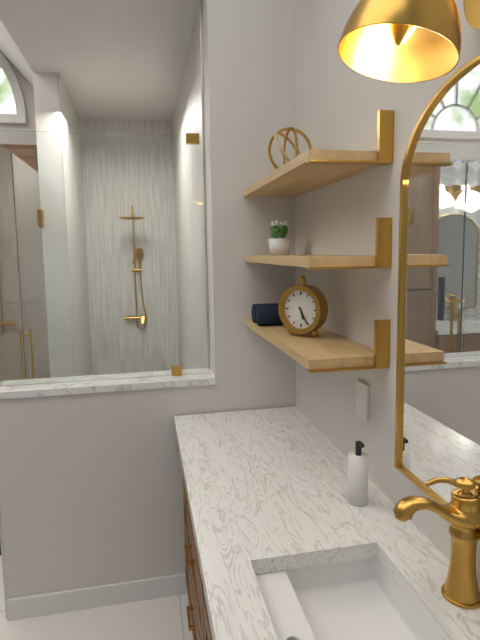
5.25
